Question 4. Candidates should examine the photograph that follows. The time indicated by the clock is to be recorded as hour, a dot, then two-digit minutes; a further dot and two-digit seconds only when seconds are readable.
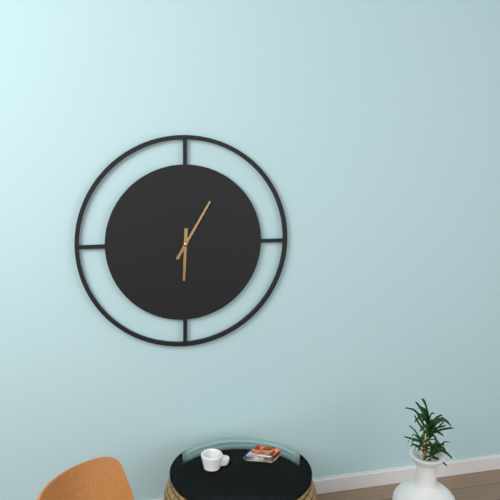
6.05
